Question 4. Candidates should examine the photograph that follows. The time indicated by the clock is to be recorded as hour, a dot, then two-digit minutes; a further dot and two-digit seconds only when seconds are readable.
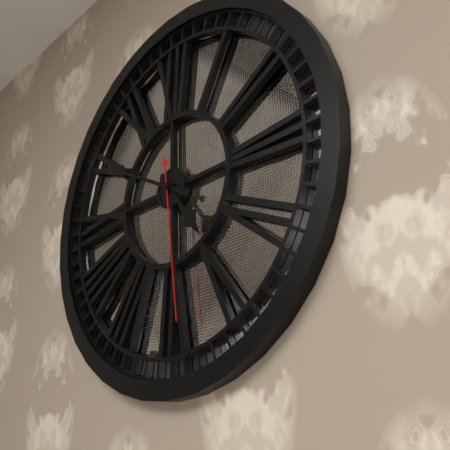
4.50.29
